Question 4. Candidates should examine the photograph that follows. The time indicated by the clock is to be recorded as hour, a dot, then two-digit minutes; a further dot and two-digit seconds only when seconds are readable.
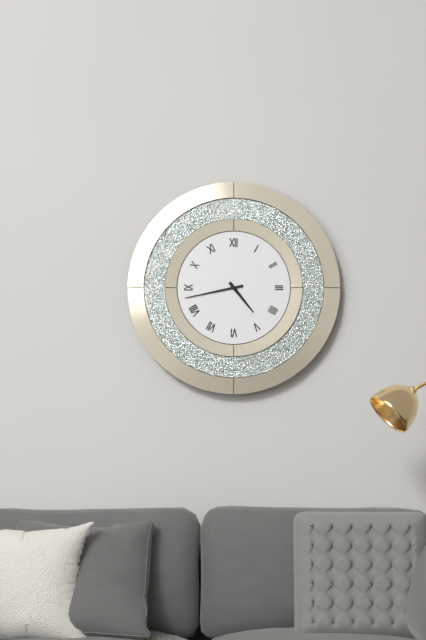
4.43
